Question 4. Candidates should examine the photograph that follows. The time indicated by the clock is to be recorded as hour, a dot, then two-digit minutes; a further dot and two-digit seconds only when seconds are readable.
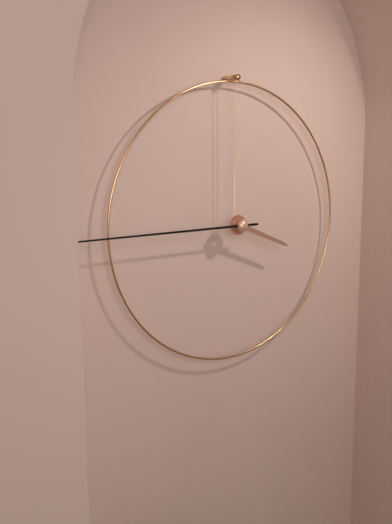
3.45
